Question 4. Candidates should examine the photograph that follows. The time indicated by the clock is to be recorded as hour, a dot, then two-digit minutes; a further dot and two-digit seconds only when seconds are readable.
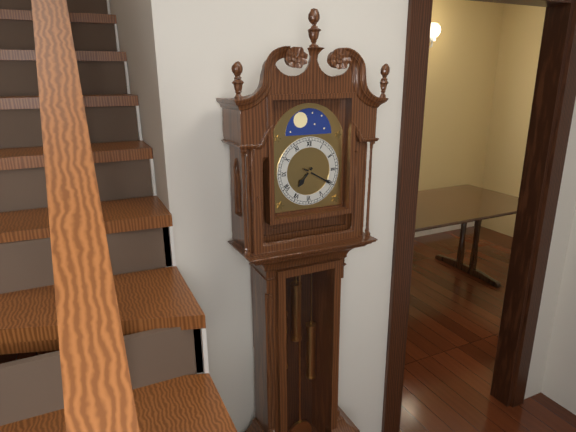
7.20
